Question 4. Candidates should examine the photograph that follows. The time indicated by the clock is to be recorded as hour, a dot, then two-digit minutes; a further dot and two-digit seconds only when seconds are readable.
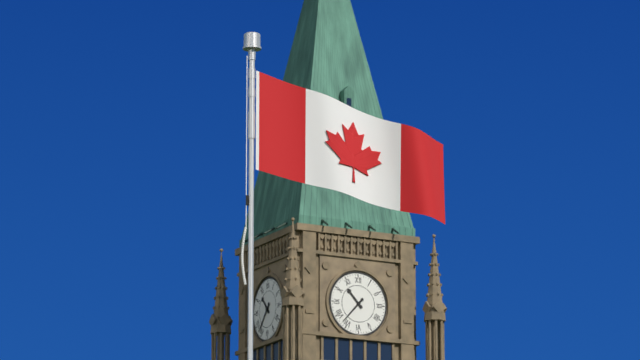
10.37
